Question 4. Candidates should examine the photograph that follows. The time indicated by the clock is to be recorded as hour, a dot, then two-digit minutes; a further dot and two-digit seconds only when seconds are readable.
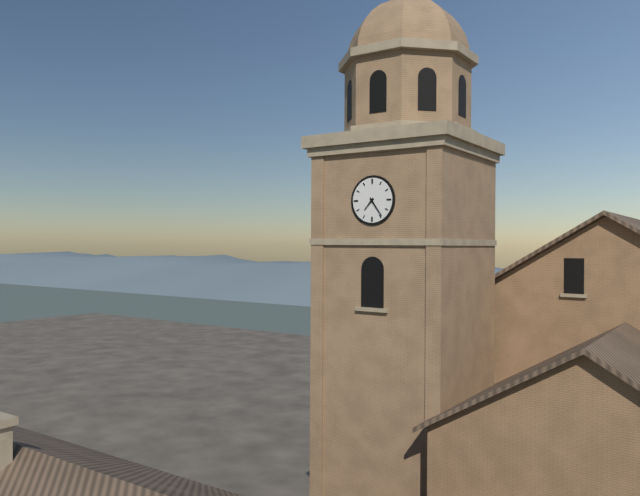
7.24
